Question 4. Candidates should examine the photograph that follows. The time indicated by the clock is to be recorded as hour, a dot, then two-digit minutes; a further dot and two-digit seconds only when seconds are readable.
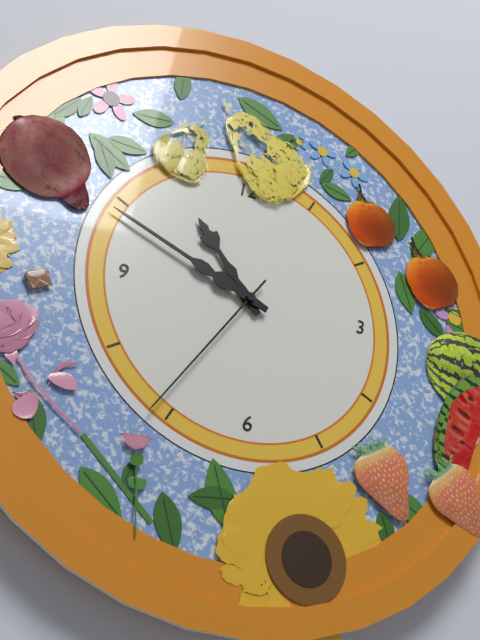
10.49.36
